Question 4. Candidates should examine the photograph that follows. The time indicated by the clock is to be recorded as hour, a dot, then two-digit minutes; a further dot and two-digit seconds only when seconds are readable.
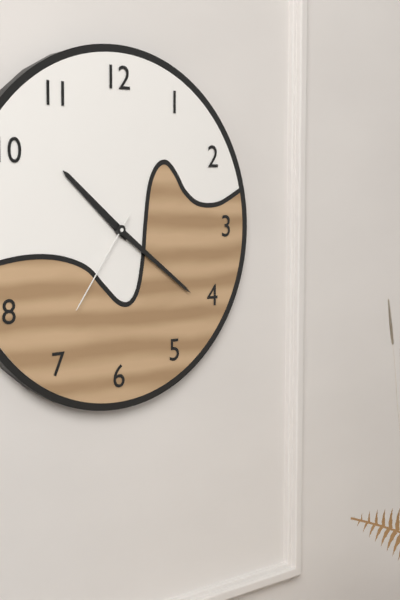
10.21.36
